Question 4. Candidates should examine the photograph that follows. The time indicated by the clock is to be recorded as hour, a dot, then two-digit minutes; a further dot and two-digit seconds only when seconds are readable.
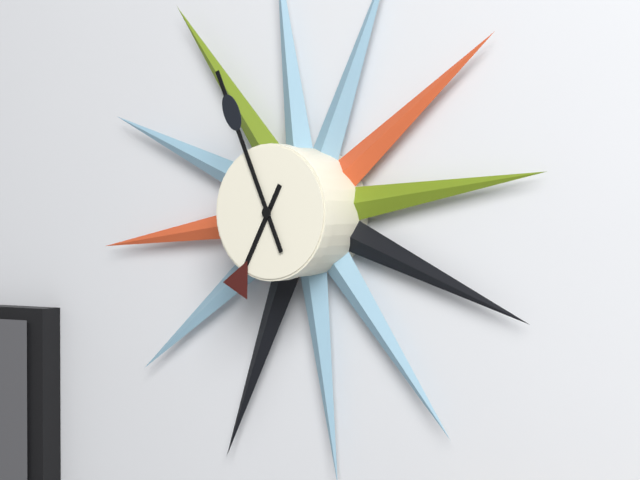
6.56
